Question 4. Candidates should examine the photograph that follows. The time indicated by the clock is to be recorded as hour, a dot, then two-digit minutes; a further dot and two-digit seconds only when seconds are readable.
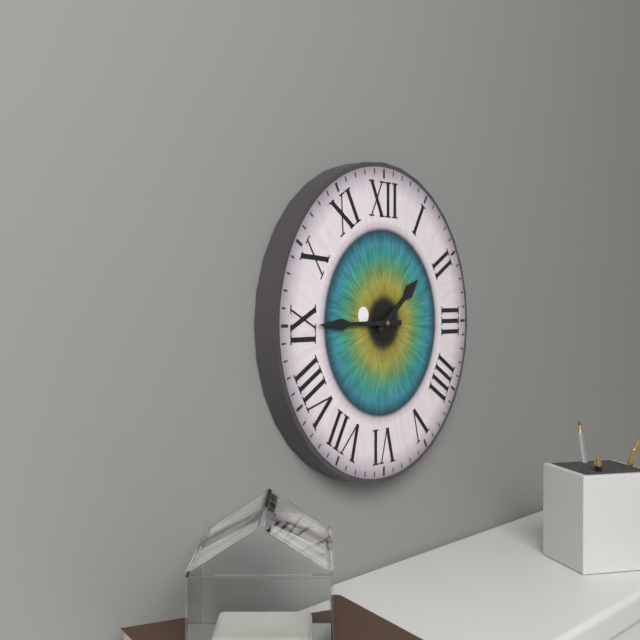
1.45
